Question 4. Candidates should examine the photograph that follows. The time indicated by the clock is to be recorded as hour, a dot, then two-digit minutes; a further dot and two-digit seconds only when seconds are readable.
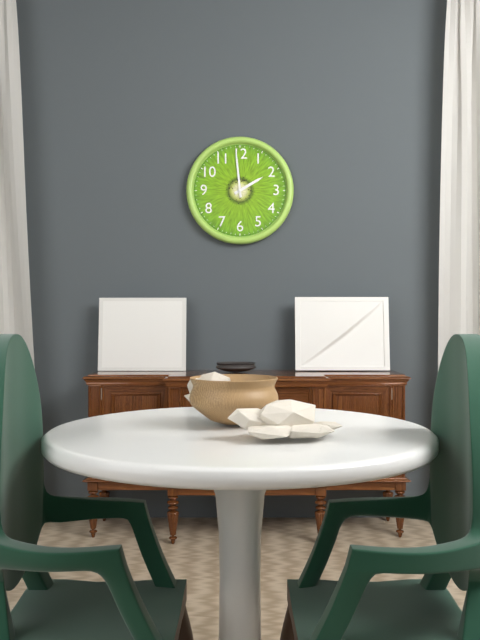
1.59
